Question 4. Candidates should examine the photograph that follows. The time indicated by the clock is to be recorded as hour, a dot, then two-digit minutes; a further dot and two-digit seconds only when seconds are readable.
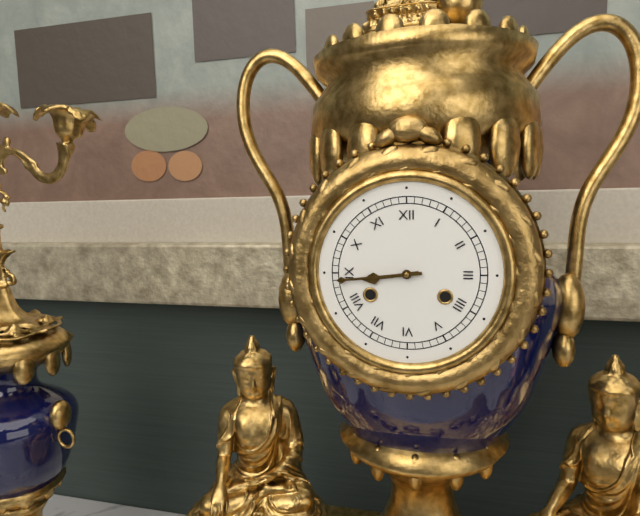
8.44
